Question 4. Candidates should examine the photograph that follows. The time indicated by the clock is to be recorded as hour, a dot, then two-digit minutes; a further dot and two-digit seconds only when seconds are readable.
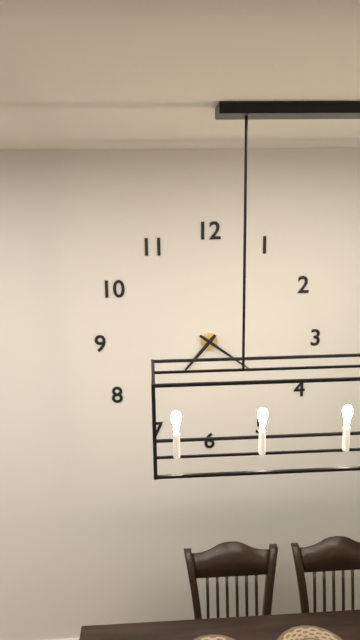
7.21
